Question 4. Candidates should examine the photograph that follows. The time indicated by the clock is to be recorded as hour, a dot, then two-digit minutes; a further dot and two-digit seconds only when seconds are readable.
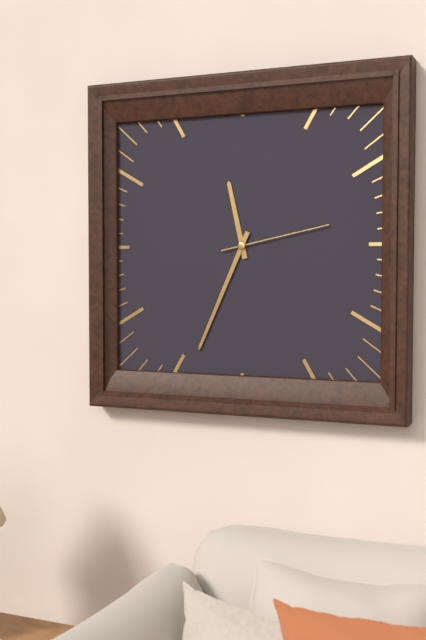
11.34.13
